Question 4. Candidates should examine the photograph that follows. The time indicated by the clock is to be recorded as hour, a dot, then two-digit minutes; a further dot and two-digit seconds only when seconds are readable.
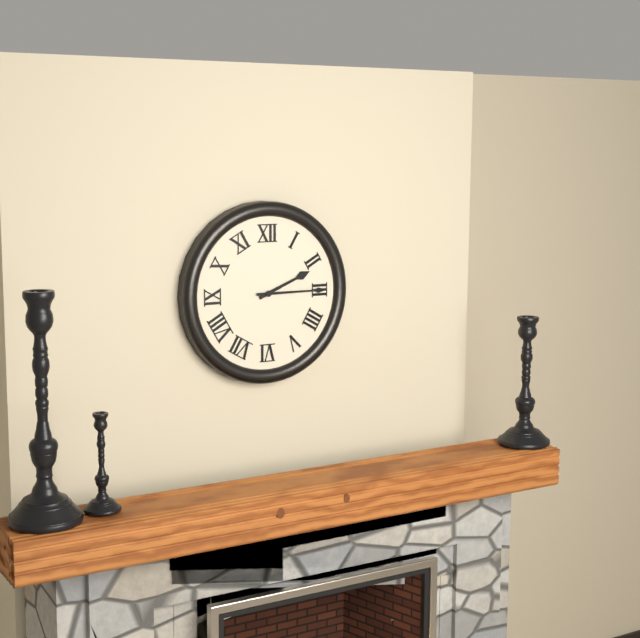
2.15
